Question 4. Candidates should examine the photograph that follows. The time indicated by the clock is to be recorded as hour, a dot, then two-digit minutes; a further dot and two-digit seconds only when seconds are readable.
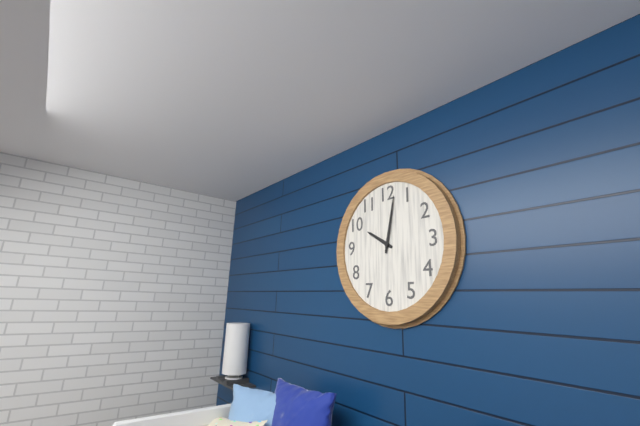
10.02
